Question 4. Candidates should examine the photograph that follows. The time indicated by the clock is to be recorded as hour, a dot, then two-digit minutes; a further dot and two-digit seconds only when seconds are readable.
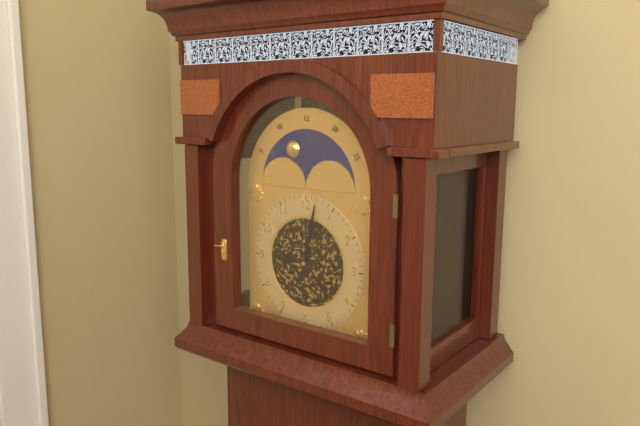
9.02
